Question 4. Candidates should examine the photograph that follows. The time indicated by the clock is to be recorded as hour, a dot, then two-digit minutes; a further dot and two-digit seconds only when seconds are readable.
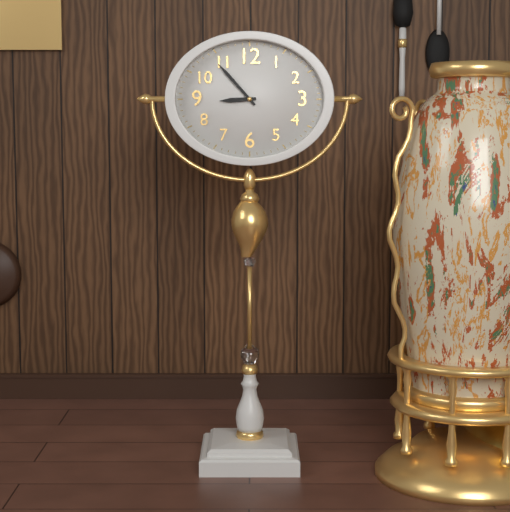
8.53
